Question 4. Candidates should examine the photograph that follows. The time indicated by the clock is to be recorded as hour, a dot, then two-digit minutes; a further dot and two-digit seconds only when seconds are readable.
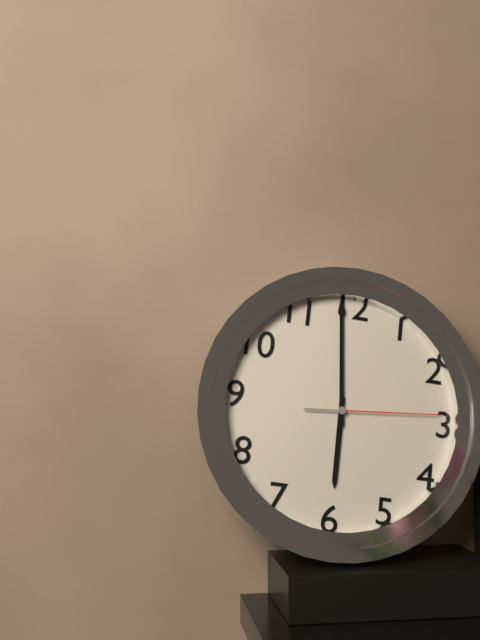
5.59.14
